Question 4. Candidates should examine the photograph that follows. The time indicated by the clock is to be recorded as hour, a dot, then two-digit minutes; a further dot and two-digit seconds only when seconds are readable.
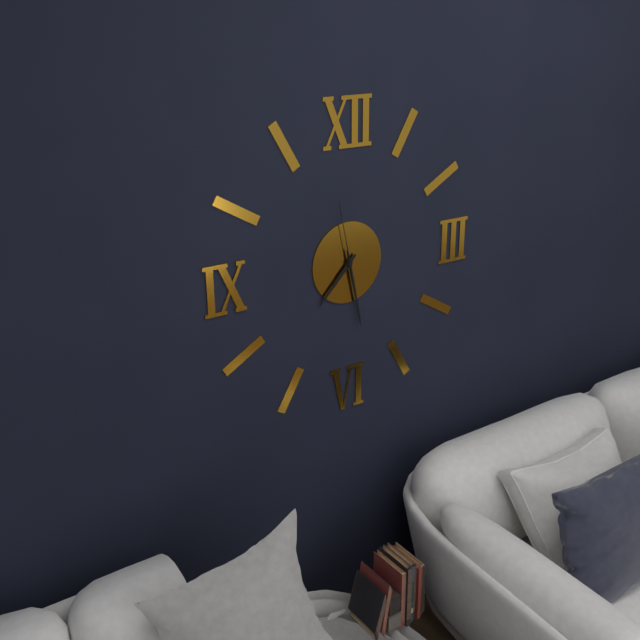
7.28.58
